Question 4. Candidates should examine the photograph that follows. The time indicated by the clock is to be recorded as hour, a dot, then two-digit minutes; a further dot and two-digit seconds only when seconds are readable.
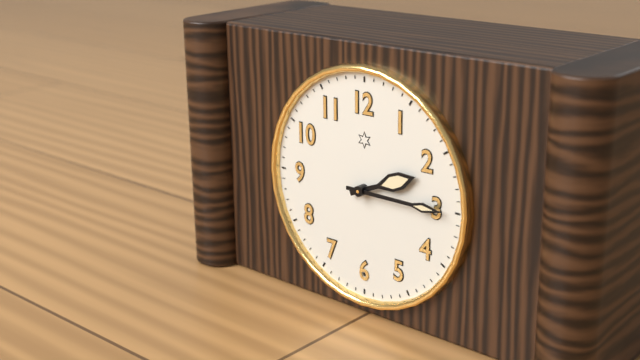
2.15
